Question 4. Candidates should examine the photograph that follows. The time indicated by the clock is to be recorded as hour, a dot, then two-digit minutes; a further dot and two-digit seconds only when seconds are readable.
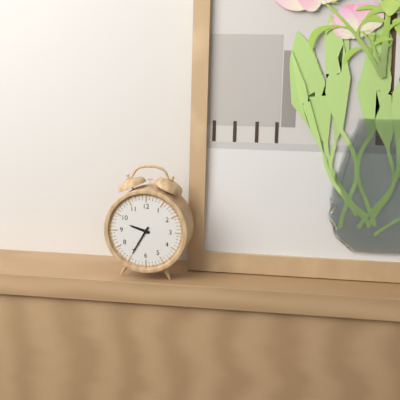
9.35
